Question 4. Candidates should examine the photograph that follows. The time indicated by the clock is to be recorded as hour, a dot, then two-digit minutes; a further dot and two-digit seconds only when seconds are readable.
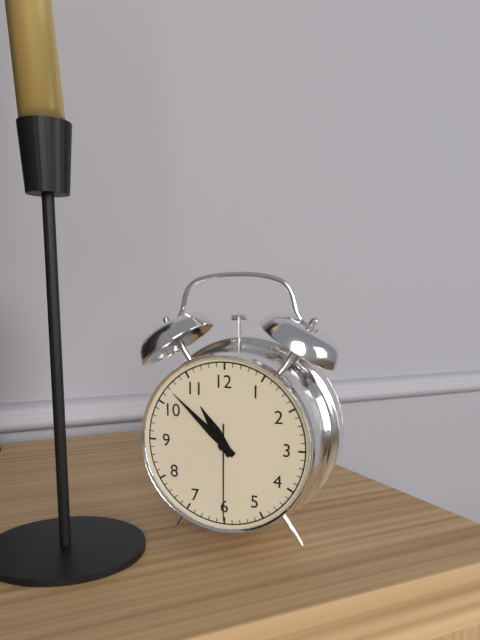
10.52.30
